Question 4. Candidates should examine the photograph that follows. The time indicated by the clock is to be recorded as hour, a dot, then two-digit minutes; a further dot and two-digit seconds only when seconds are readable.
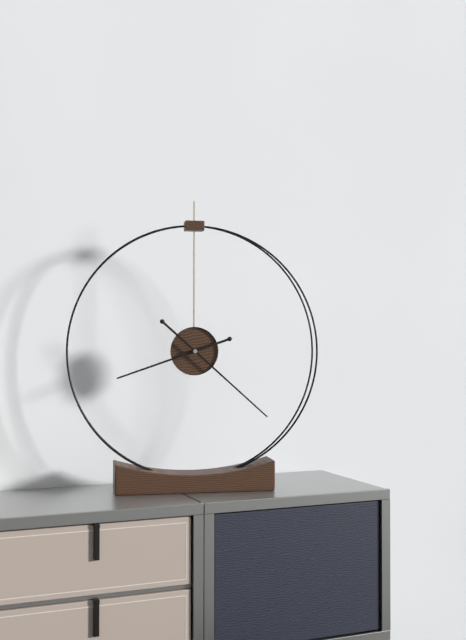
8.22
